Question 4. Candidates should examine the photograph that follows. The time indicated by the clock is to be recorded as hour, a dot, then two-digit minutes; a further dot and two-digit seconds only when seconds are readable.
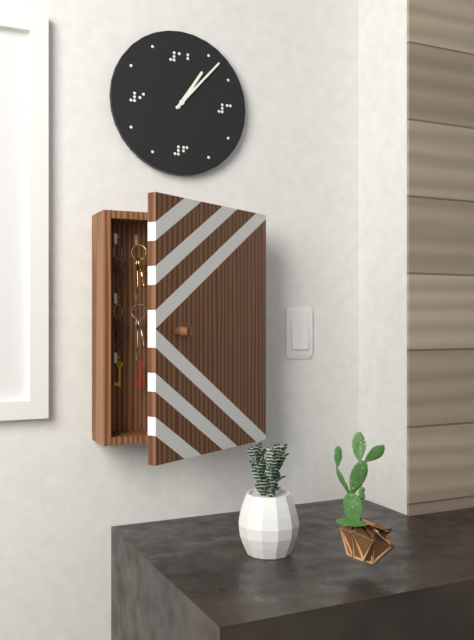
1.07
